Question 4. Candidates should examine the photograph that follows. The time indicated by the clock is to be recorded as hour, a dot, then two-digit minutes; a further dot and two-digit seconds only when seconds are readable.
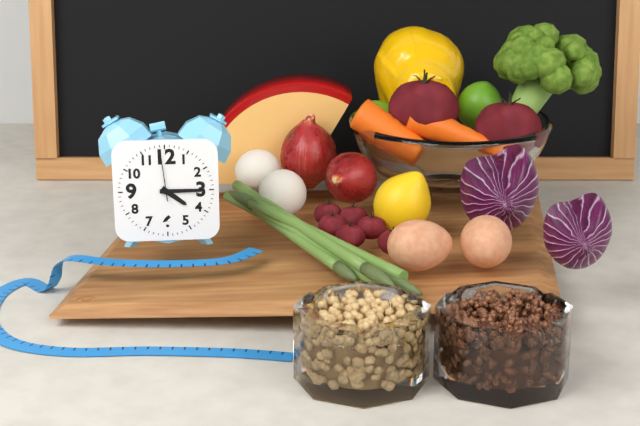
4.15.59
